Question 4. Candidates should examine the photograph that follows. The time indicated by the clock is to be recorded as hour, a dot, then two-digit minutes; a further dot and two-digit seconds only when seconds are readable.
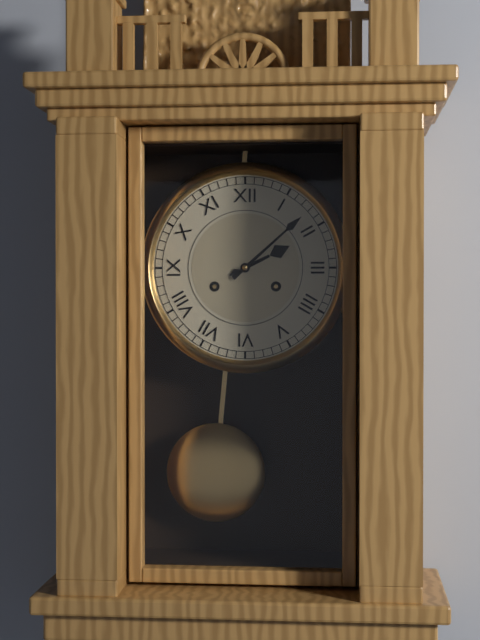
2.08
